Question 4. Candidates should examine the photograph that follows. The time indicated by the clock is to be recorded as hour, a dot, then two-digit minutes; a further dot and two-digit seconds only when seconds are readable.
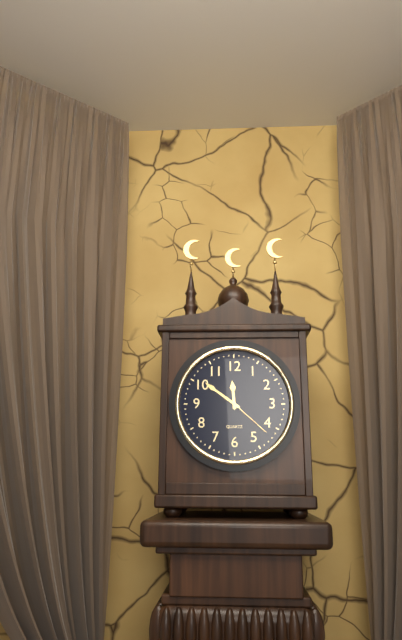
11.51.22
